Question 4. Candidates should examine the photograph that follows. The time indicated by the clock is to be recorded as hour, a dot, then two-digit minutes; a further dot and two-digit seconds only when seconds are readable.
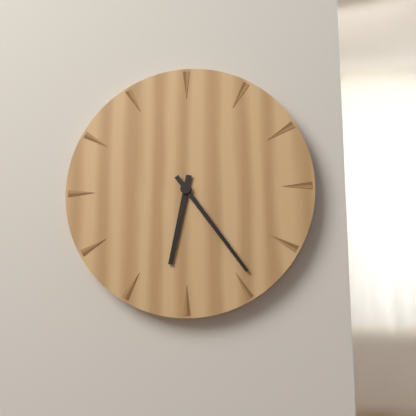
6.24
